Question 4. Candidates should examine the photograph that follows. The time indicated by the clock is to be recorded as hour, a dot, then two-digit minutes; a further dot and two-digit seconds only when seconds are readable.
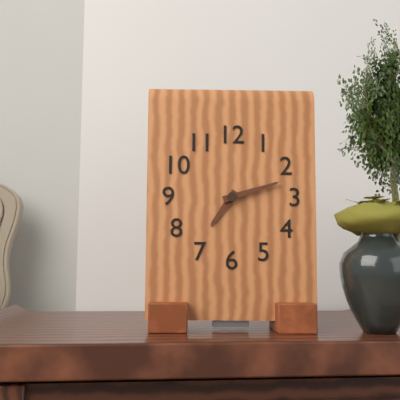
7.12
